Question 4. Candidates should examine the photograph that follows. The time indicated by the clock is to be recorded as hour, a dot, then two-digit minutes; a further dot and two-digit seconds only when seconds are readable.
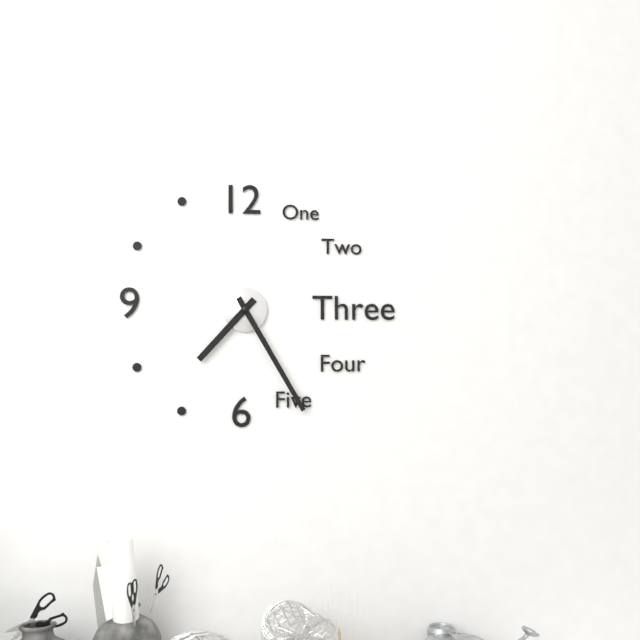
7.25
